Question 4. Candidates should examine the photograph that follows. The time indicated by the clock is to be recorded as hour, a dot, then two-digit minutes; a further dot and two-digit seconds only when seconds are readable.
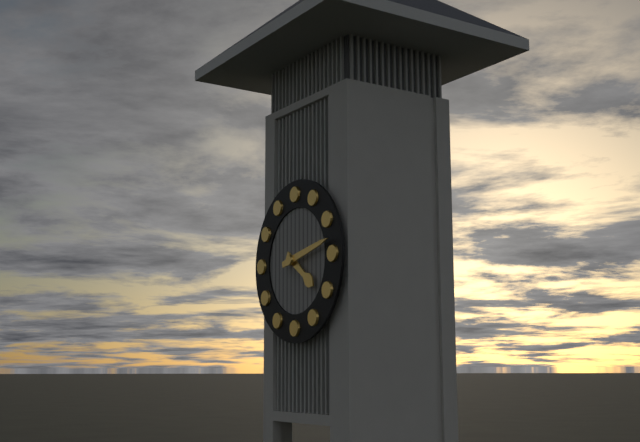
4.13
